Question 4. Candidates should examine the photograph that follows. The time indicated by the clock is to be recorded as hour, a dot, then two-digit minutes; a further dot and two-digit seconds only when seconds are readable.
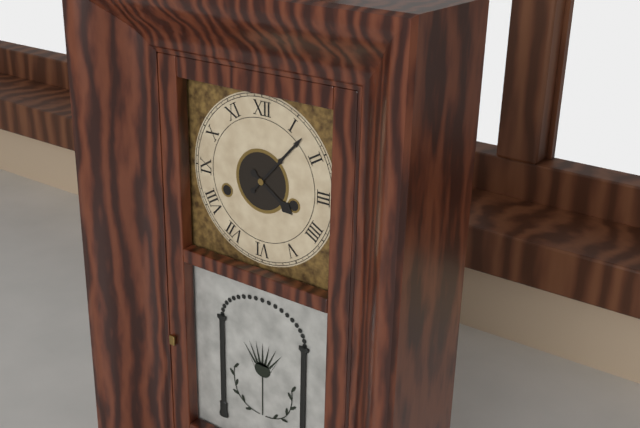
4.07
